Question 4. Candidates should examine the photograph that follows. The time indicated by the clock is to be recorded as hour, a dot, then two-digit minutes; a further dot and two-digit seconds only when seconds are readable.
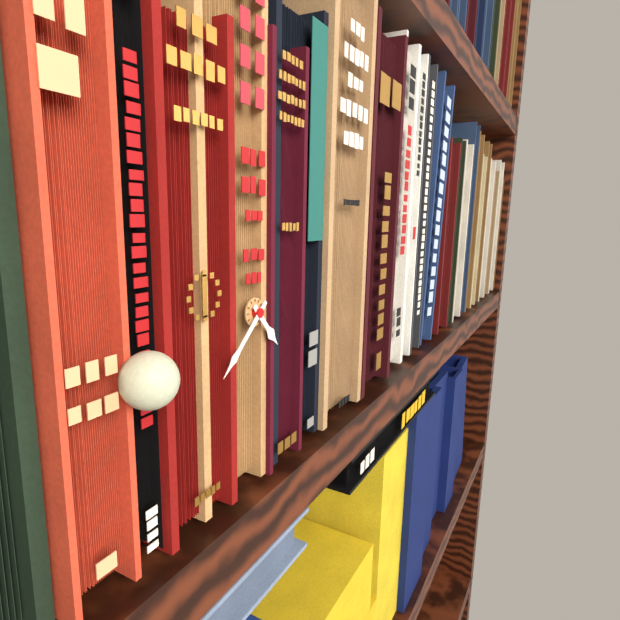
4.38
